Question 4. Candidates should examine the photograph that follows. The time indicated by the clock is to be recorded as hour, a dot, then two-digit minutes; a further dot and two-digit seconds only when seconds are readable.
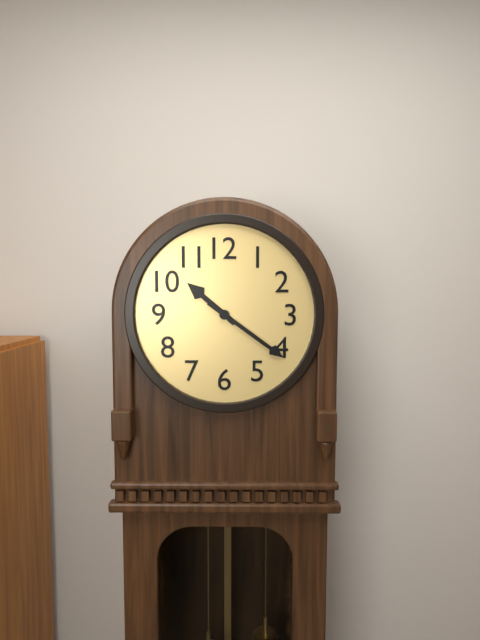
10.21
